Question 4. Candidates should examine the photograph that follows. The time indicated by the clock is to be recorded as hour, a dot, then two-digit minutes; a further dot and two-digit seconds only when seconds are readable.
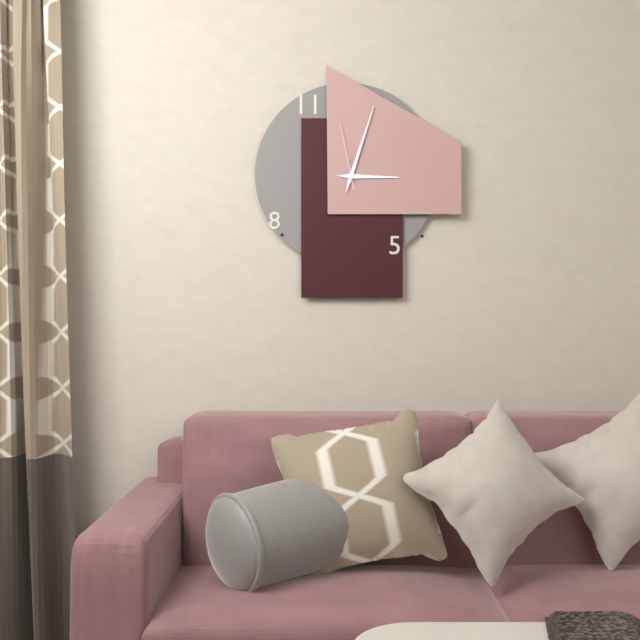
3.03.58
